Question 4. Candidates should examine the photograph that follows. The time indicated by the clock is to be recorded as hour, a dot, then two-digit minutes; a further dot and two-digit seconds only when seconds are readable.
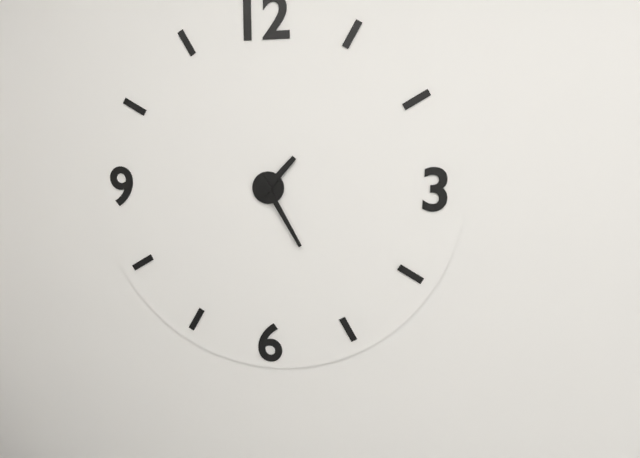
1.25
